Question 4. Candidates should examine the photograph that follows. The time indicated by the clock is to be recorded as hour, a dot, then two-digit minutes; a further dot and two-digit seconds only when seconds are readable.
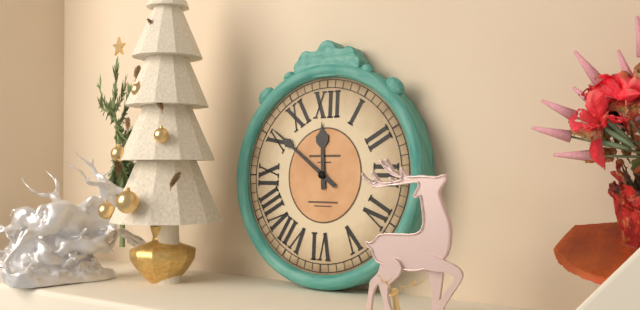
11.51
